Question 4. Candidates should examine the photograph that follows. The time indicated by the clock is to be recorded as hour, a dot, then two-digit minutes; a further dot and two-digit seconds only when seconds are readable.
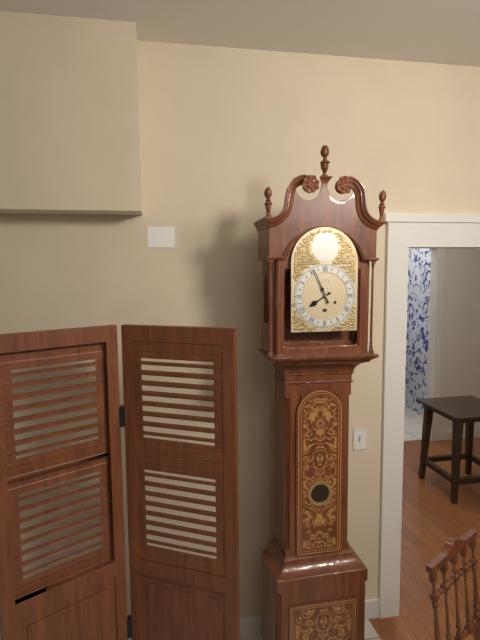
7.56
